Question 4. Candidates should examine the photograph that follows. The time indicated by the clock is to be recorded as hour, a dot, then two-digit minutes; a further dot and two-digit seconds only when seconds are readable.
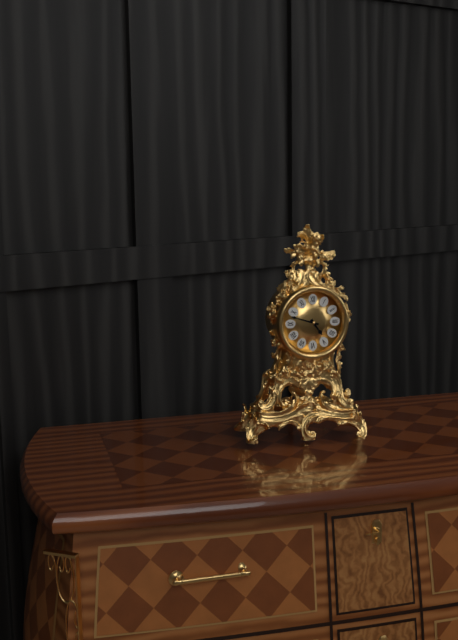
4.48
